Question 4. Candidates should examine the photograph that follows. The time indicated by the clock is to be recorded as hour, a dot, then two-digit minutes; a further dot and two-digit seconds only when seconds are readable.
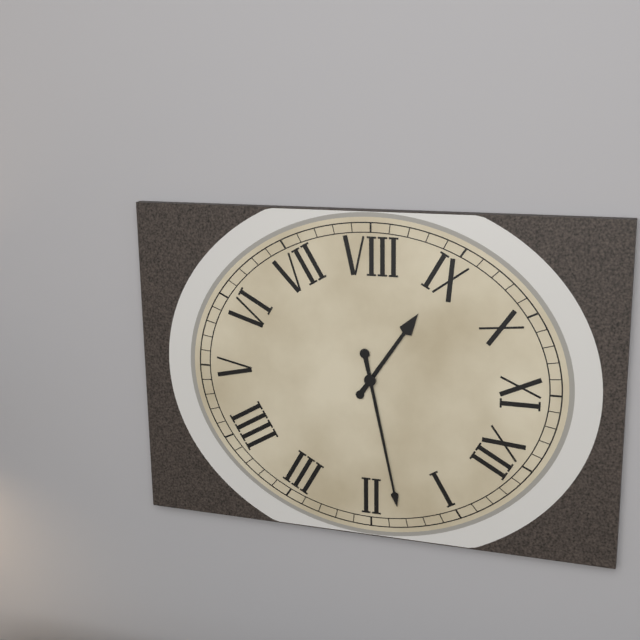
9.08
